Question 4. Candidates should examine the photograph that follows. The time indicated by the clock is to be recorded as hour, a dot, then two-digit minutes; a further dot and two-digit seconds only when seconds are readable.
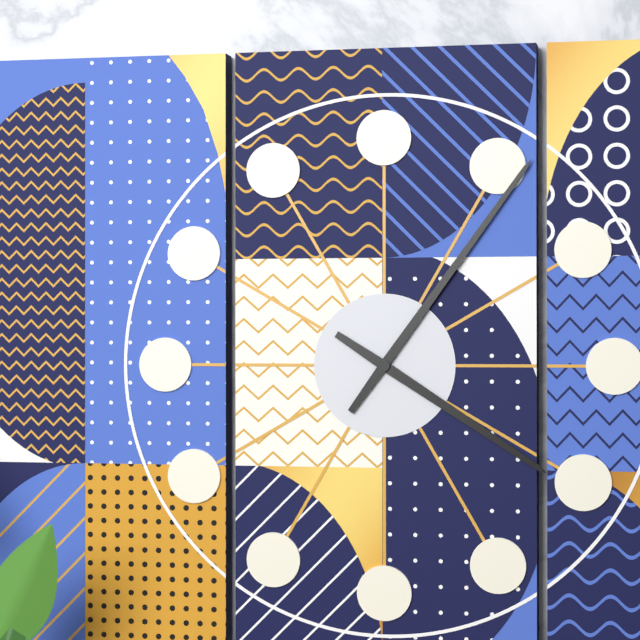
4.06
